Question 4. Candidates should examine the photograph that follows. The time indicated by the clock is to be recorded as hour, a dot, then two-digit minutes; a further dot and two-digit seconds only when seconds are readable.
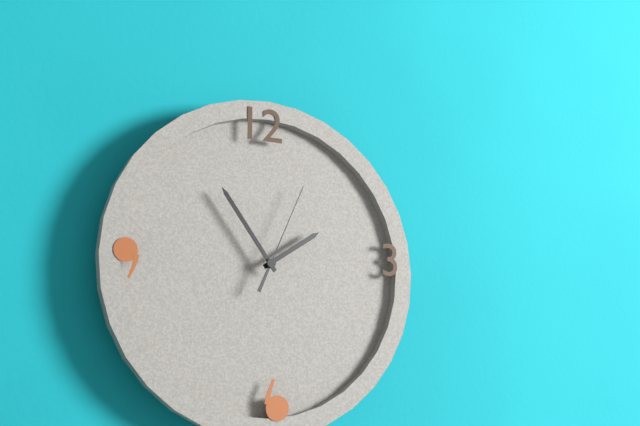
1.54.04
